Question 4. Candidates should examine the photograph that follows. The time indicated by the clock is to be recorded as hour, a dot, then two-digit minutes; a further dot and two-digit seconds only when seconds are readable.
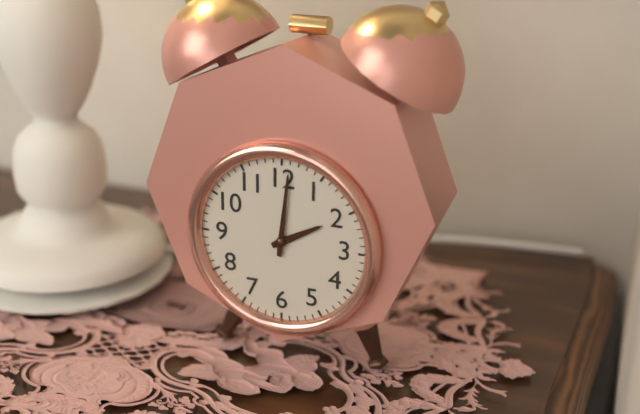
2.01
